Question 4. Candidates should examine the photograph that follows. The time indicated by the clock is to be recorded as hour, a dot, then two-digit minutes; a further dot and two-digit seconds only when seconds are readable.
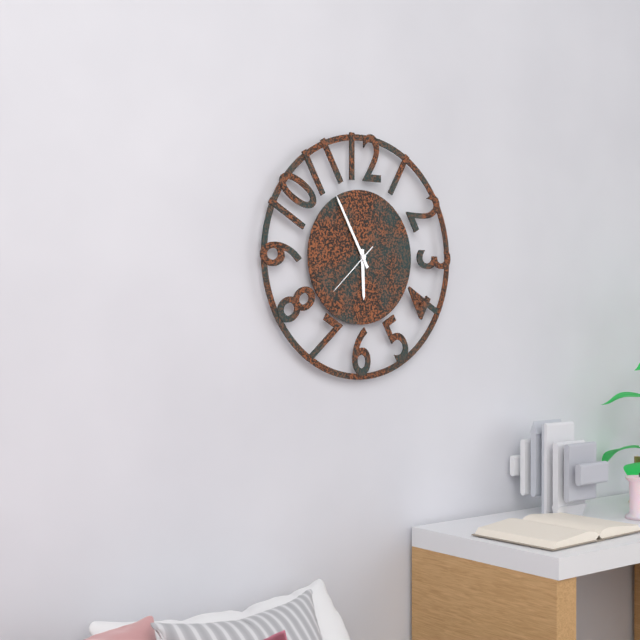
5.55.38
